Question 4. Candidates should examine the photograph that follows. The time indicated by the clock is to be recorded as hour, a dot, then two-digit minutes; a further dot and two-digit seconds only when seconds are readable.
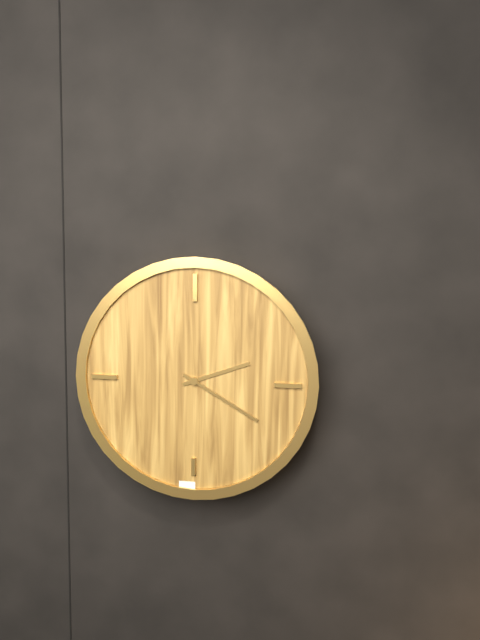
2.20
